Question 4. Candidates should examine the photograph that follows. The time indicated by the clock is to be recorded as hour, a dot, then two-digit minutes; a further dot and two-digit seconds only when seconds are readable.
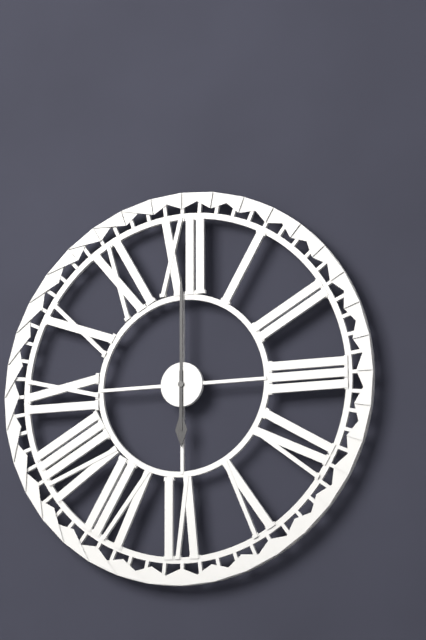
6.00
